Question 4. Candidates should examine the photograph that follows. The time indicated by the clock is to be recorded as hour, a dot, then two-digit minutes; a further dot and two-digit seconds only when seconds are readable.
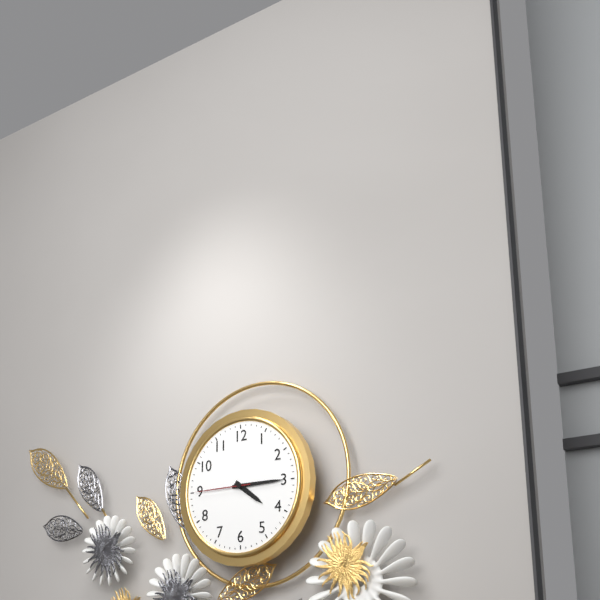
4.15.45
